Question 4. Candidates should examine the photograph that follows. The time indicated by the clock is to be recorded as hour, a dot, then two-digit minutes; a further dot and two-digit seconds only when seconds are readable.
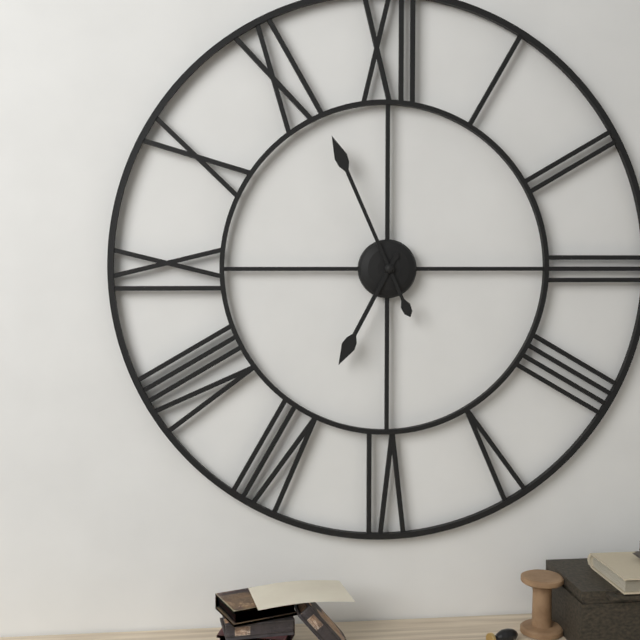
6.56
